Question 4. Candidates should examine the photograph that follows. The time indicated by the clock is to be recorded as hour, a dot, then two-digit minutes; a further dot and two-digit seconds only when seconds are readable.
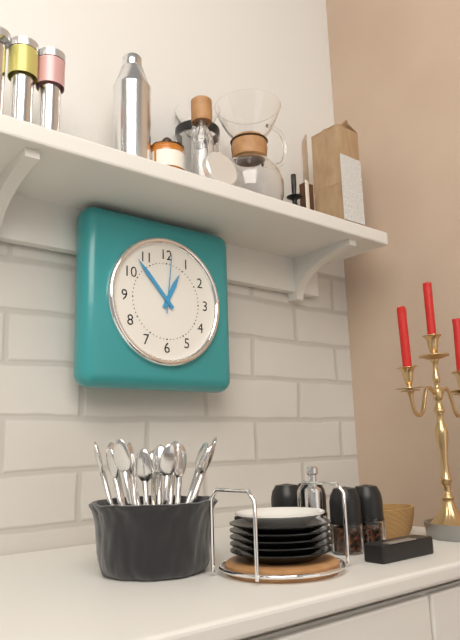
12.53.01
